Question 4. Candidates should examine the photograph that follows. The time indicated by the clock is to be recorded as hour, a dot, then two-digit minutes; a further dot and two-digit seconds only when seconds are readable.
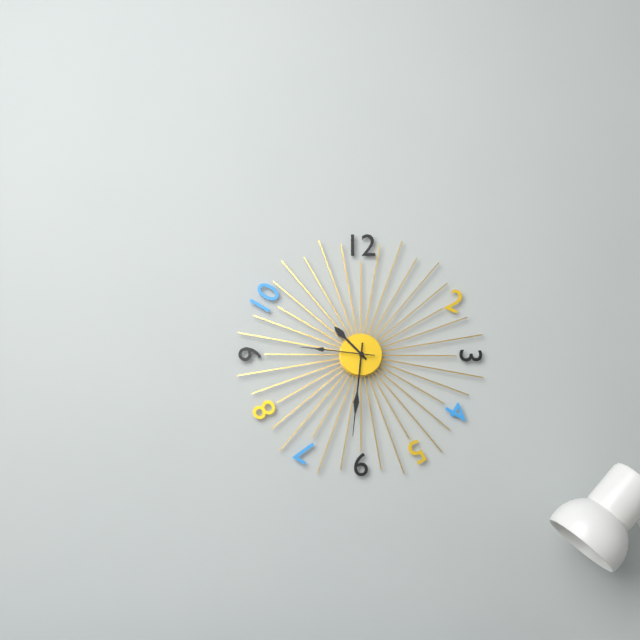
10.31.46
